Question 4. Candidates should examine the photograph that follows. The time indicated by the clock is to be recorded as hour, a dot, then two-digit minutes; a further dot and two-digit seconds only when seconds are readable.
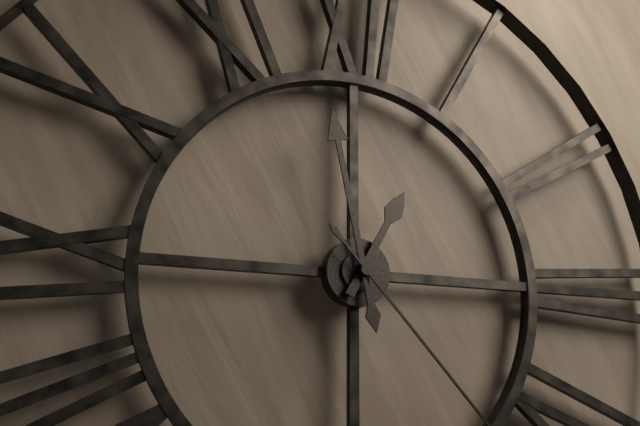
12.58
